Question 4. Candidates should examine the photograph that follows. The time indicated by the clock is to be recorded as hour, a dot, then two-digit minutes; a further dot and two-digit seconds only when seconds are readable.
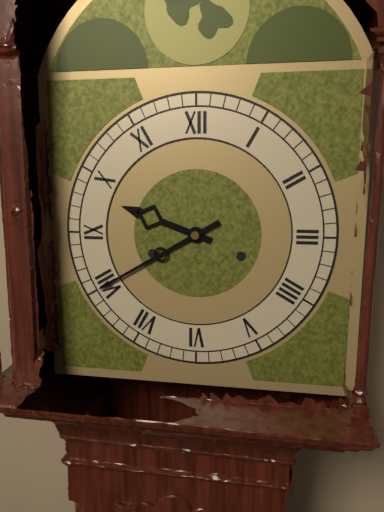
9.40
